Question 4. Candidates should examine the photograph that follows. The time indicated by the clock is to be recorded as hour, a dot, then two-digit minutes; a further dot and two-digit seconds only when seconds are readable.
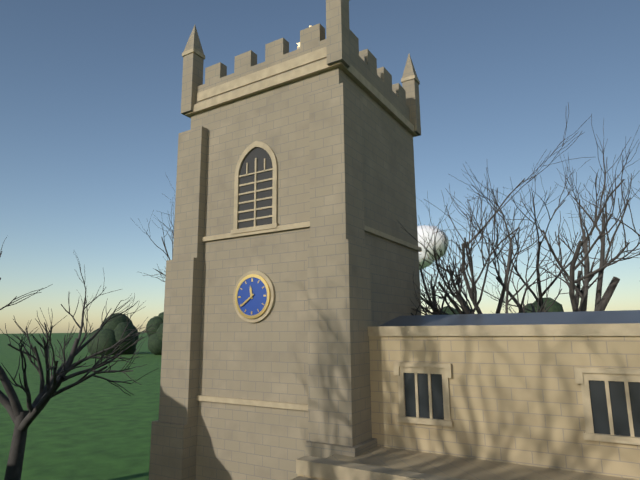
11.39
